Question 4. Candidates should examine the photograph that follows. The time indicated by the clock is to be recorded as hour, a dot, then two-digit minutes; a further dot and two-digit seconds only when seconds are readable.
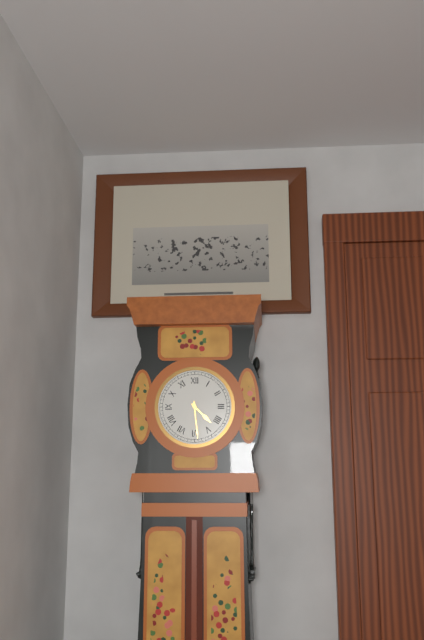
4.29
